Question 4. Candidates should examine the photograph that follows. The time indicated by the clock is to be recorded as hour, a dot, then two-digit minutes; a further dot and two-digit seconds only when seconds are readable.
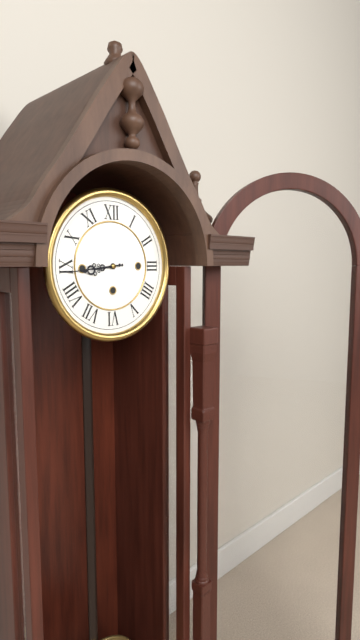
8.44
